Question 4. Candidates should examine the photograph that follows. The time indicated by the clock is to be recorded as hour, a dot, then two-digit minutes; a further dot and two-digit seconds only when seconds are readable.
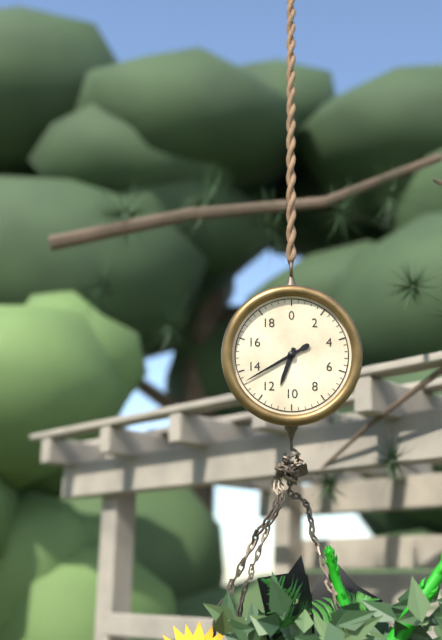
6.40
